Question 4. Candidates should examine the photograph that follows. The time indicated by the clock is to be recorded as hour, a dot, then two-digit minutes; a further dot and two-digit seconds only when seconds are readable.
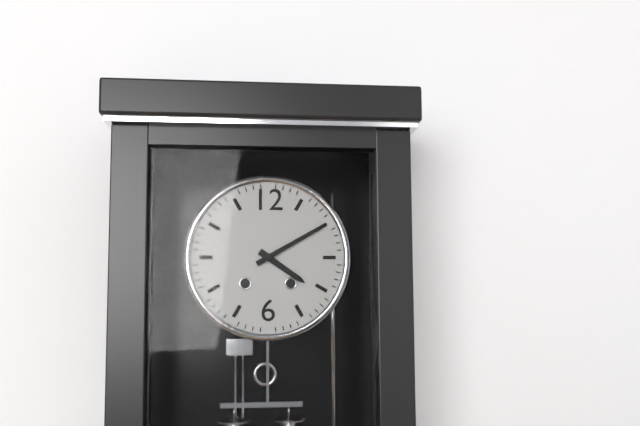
4.10
